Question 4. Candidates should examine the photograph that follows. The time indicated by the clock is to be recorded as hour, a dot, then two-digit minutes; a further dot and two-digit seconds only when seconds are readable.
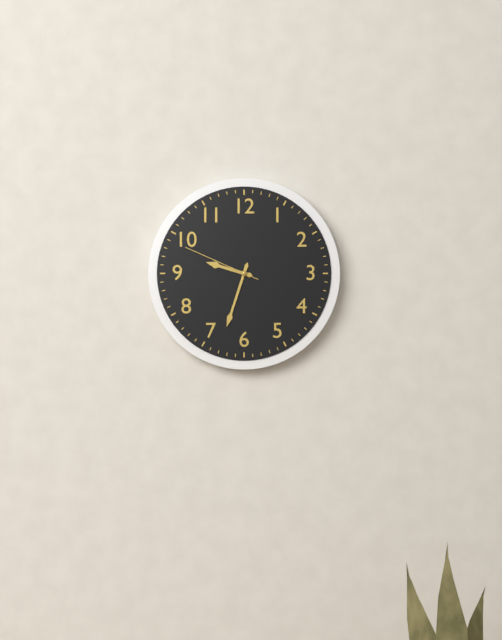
9.33.49
